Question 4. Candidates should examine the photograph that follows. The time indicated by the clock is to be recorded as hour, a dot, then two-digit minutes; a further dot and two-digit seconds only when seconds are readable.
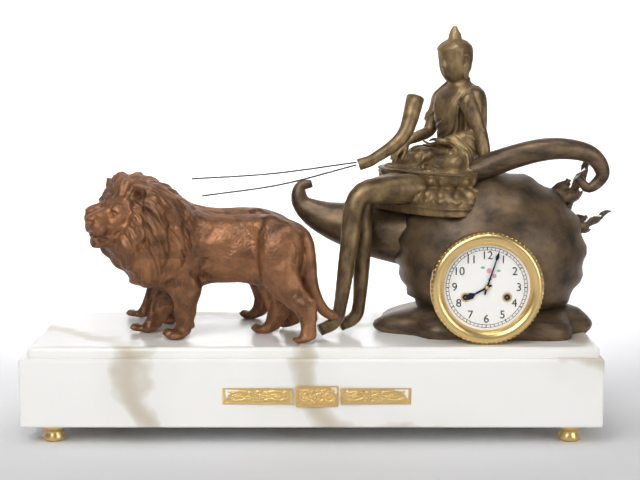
8.03
